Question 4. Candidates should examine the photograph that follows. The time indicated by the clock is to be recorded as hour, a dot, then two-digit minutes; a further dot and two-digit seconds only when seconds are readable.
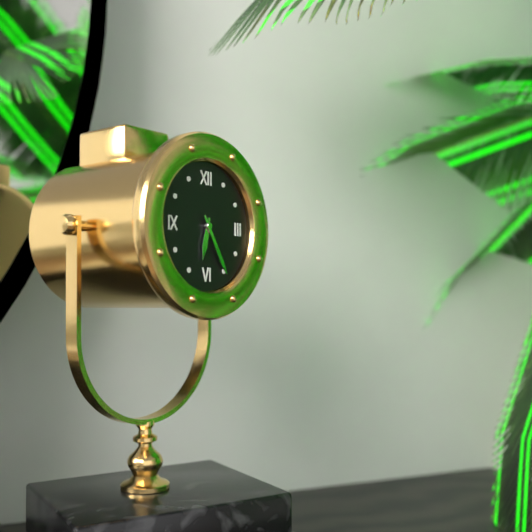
6.25
